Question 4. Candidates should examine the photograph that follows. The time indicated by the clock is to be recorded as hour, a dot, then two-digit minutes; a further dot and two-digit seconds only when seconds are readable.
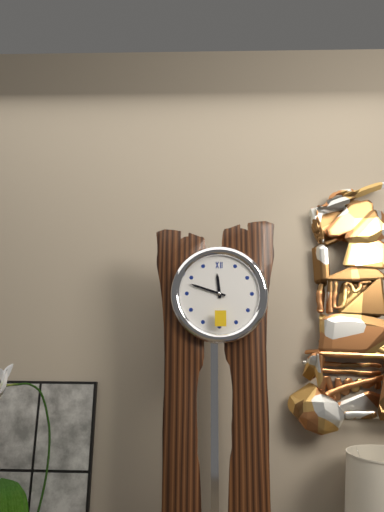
11.48
